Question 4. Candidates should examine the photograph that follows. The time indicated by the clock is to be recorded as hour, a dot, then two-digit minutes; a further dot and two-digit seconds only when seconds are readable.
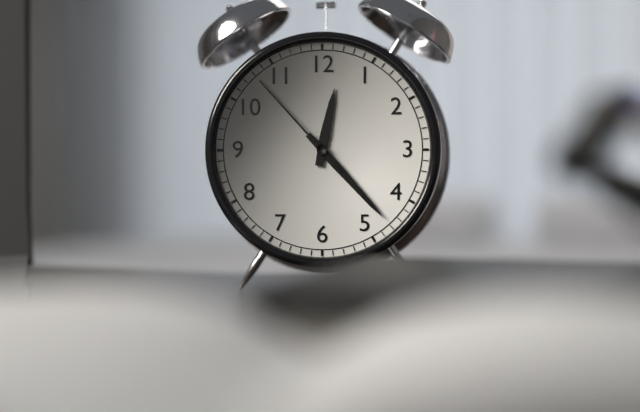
12.23.53
